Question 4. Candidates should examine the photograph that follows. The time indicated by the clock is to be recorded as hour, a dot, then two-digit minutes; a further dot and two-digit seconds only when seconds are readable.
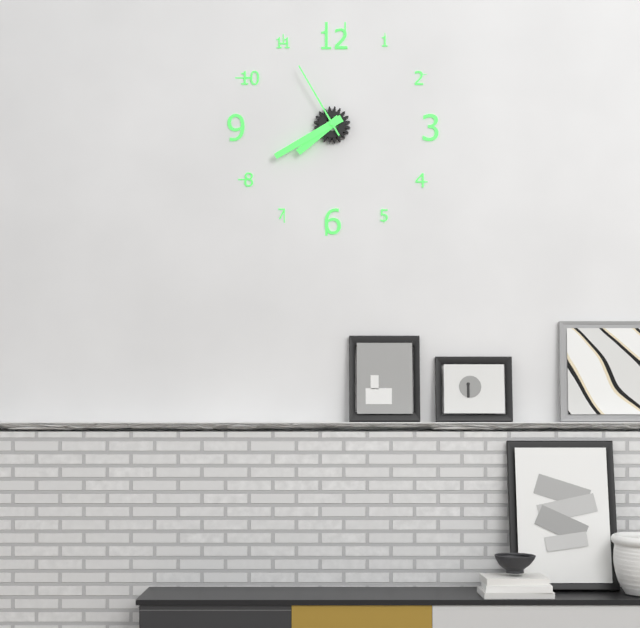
7.40.55
